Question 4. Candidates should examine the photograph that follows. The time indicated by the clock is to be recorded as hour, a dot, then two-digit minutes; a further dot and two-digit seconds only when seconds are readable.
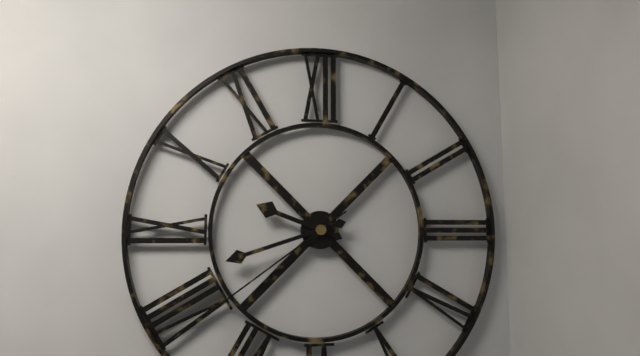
9.42.39
